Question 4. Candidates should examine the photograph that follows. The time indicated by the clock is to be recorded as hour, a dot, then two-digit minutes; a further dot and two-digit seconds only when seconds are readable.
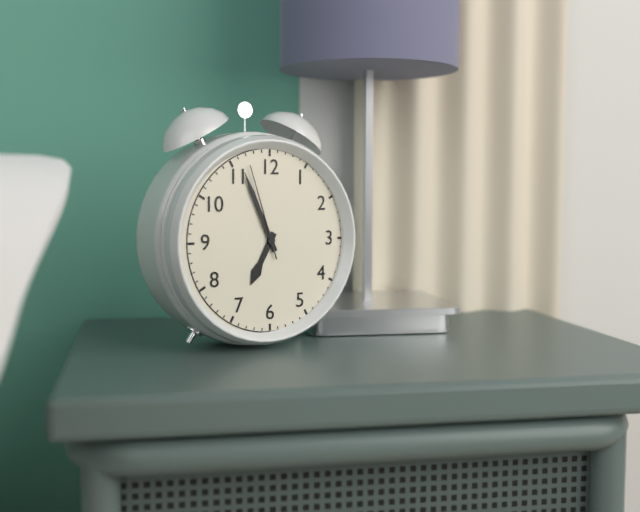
6.56.57
